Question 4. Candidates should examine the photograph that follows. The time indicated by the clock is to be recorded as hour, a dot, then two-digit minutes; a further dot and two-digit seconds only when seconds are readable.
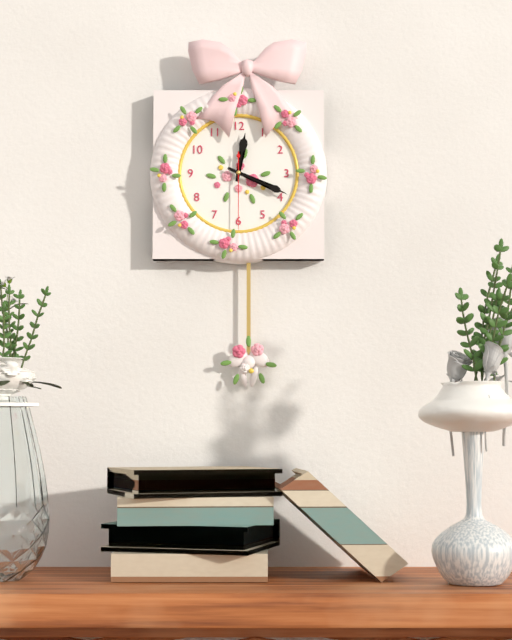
12.19.30
